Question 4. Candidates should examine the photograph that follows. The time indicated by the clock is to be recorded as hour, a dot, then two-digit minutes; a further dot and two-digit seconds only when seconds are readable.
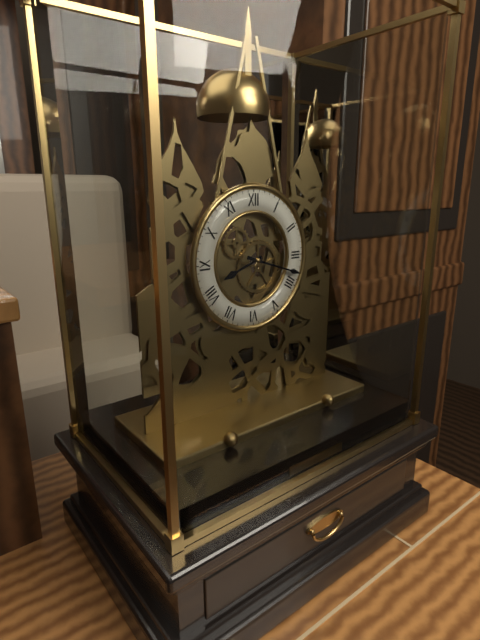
8.18
